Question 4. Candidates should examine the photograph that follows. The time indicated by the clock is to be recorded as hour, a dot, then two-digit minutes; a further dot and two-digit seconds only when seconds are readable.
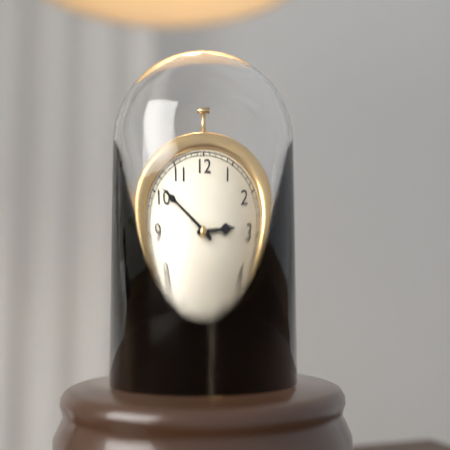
2.51
